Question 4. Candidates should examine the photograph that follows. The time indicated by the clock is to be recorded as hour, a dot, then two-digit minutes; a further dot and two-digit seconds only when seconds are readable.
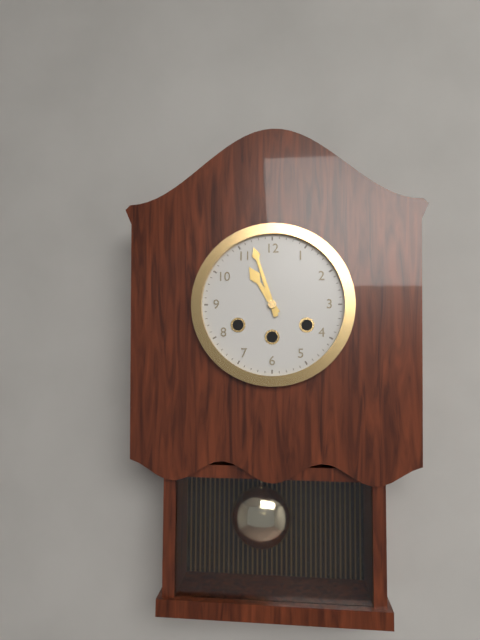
10.57
